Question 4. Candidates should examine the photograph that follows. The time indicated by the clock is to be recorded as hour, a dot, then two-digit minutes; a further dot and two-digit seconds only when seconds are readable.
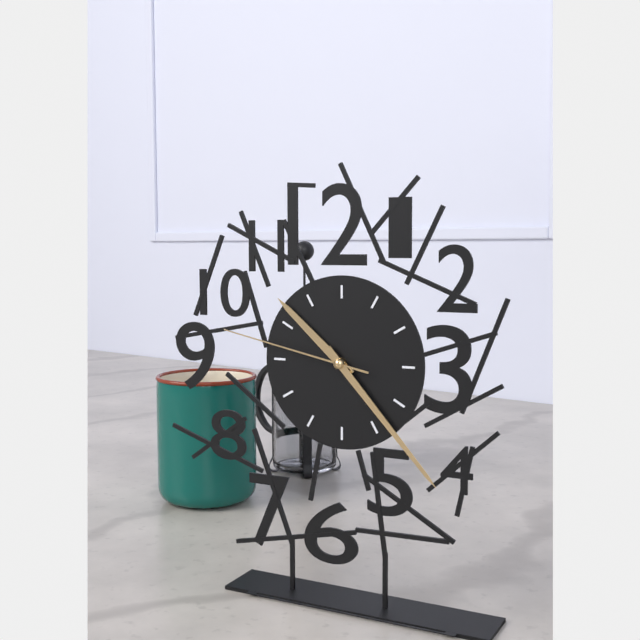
10.23.47
